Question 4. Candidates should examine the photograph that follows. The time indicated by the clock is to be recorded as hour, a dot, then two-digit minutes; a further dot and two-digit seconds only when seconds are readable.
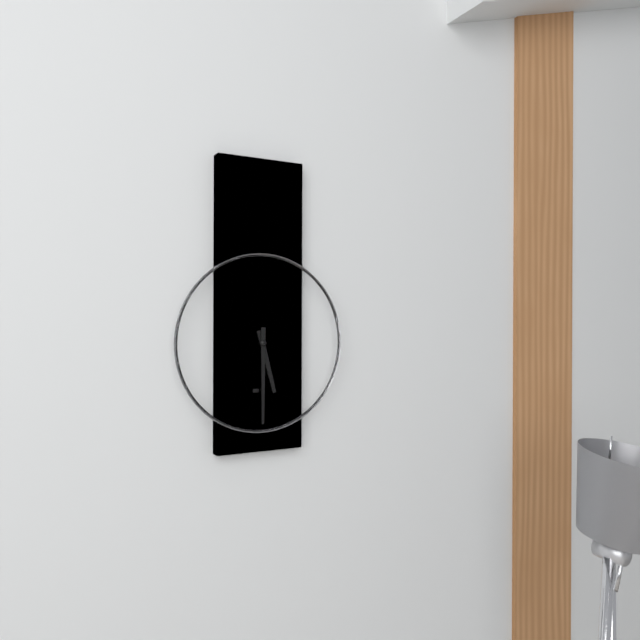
5.30
